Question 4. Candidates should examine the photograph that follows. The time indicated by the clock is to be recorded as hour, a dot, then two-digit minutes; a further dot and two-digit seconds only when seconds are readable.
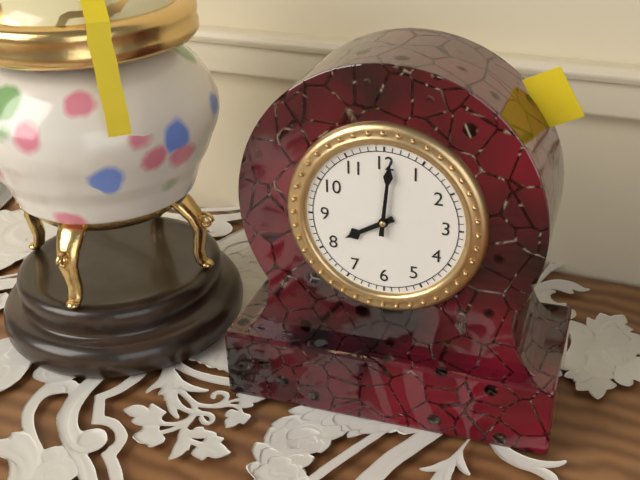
8.01
